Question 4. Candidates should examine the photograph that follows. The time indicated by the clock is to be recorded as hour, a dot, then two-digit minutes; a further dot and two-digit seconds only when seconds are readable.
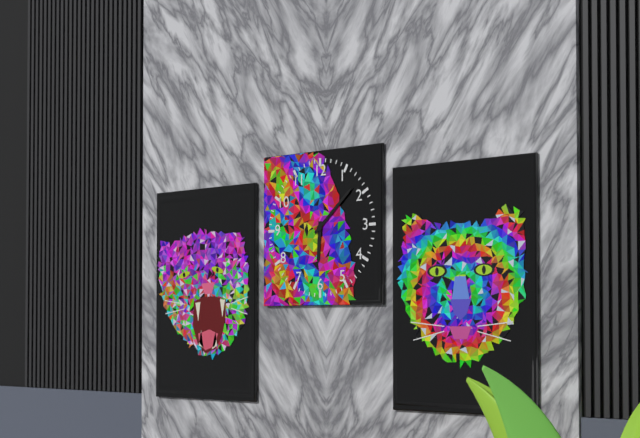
6.08
